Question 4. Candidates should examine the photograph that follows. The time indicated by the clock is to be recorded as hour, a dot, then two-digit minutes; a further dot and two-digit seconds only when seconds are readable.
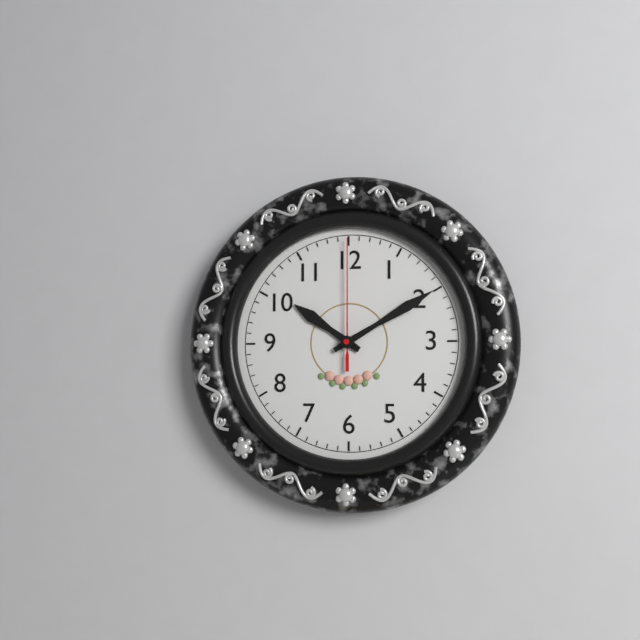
10.10.00
